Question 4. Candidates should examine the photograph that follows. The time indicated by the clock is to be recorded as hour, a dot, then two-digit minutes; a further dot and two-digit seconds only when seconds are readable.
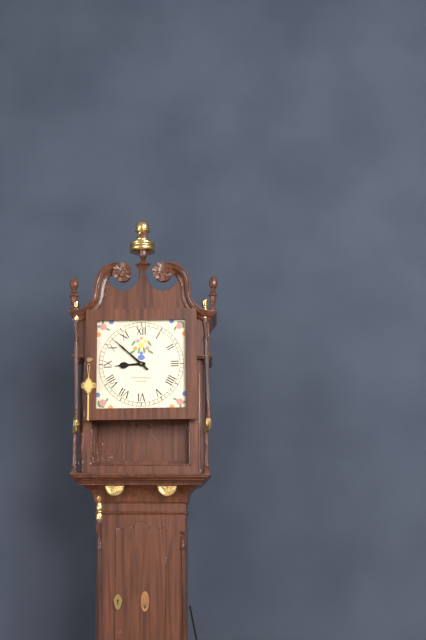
8.52
